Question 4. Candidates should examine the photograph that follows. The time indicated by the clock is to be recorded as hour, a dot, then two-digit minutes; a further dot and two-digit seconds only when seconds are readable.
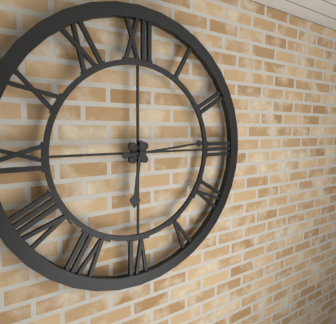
6.14
